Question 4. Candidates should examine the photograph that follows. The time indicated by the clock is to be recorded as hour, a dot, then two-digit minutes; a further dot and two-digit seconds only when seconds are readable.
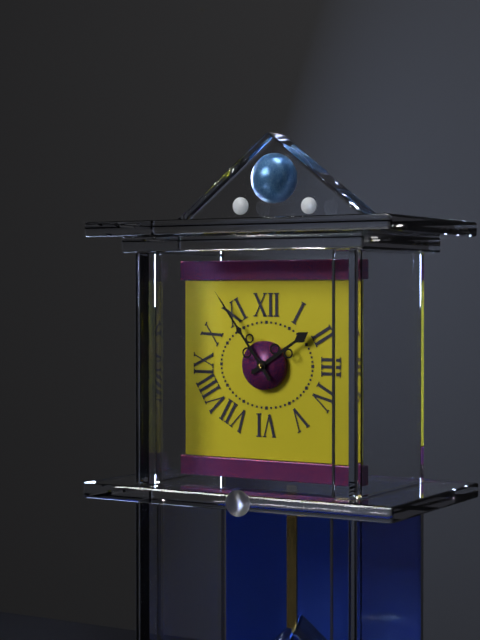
1.54
